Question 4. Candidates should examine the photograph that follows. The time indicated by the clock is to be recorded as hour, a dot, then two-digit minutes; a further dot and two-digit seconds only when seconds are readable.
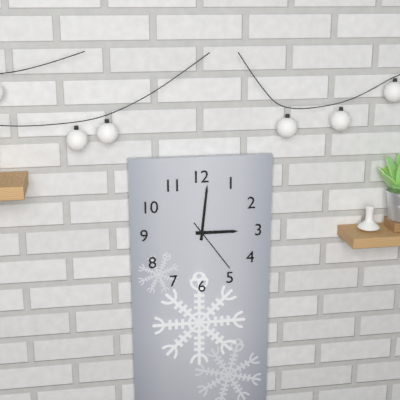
3.01.24
